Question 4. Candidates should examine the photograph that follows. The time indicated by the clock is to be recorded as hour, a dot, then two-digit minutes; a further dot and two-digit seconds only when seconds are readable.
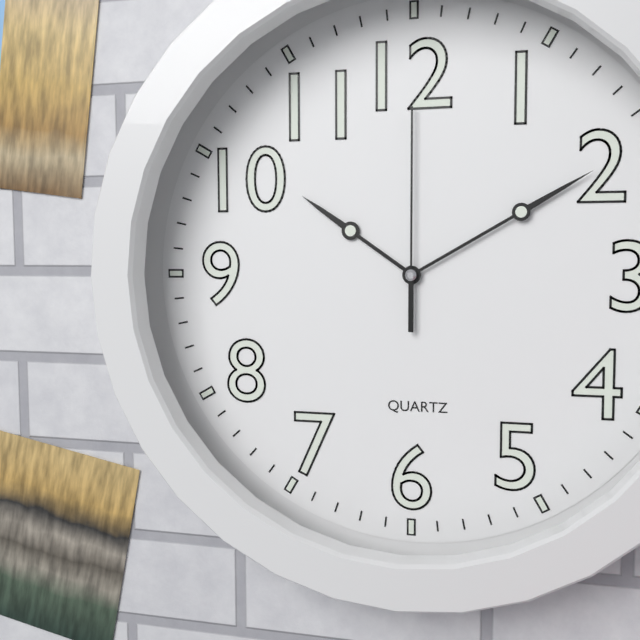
10.10.00
